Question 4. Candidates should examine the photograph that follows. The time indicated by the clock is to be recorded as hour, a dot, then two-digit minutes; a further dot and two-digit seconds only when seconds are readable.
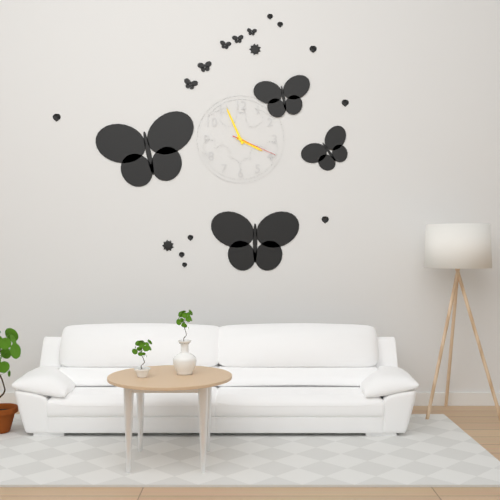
3.56
